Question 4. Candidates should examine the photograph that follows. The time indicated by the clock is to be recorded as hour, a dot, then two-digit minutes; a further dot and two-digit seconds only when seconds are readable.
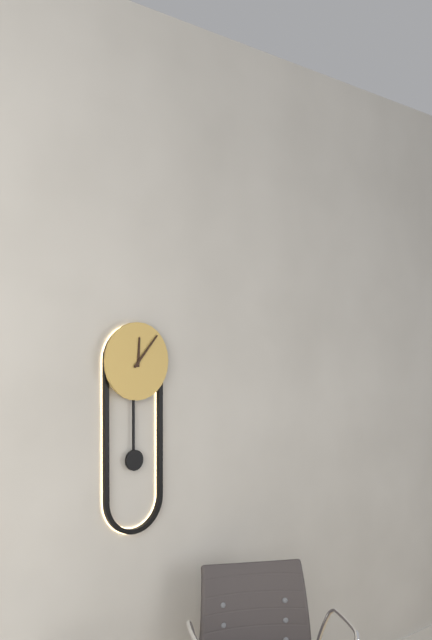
12.07
